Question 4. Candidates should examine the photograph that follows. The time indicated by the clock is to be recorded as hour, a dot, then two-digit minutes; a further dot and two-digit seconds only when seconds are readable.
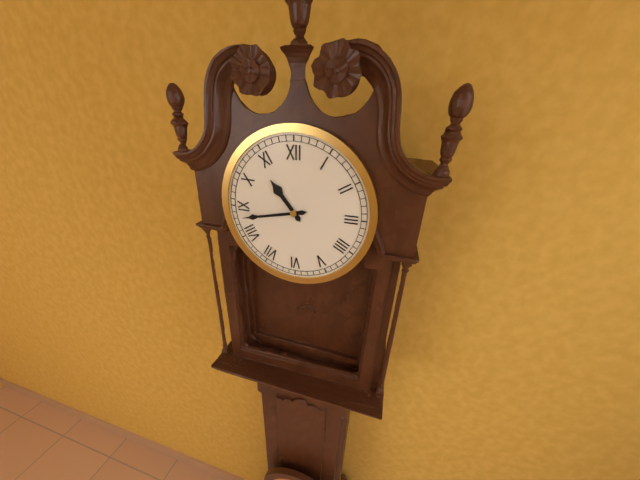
10.43
